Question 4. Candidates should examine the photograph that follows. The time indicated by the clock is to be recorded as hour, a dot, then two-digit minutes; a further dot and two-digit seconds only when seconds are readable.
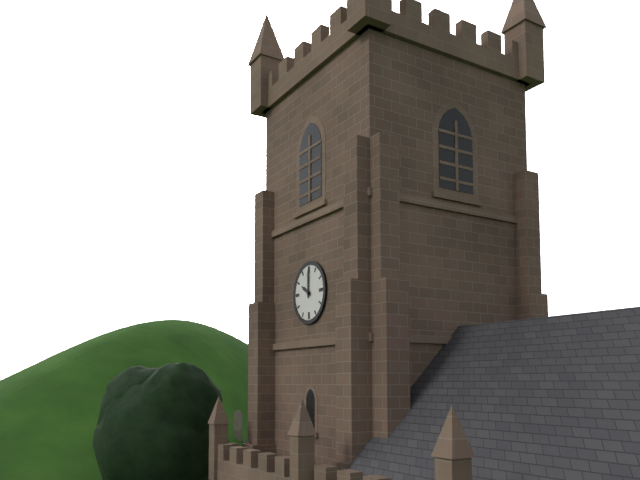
10.00
